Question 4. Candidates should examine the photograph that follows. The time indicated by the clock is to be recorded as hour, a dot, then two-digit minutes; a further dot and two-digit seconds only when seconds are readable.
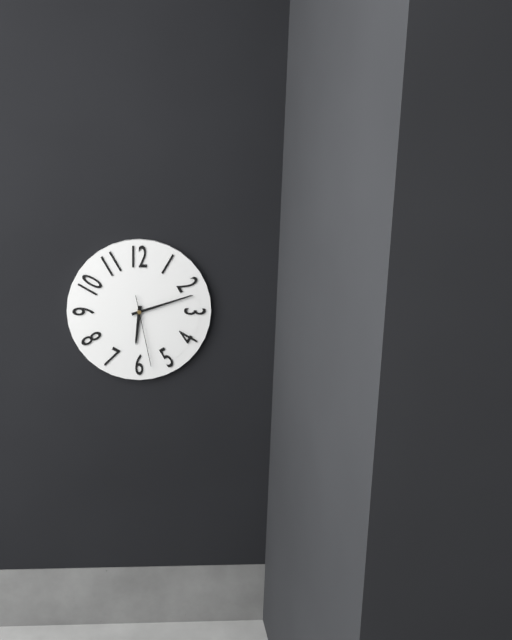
6.12.28
